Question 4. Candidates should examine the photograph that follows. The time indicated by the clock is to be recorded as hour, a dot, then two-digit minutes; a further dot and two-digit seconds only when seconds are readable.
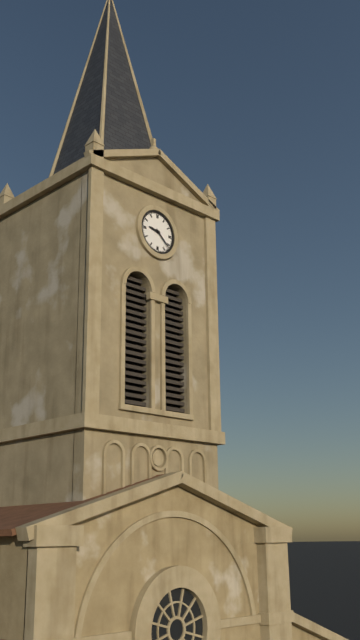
9.22
